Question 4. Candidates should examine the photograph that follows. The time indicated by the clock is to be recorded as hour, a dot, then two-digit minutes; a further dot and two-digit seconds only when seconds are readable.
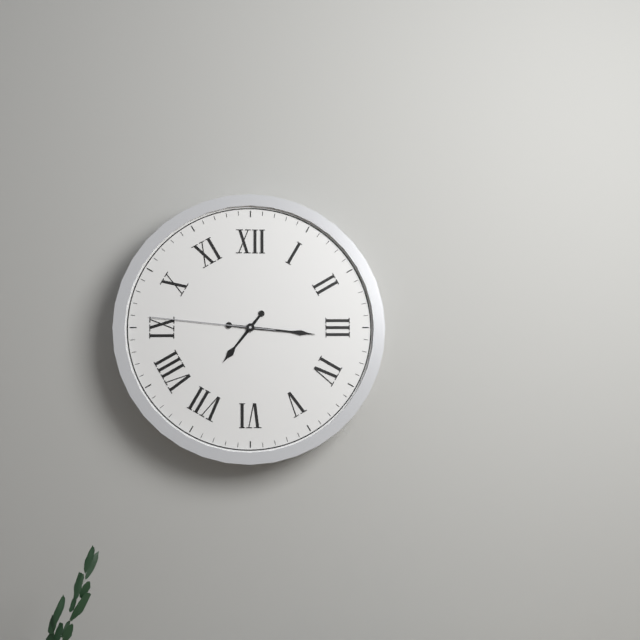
7.16.46
